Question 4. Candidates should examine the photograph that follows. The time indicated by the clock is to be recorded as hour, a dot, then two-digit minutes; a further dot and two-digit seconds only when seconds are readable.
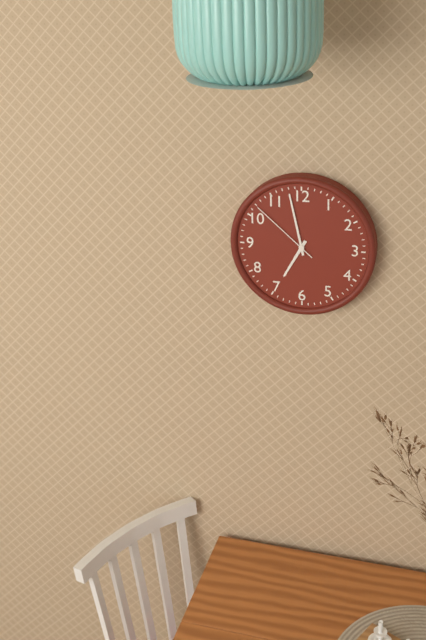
6.58.52
